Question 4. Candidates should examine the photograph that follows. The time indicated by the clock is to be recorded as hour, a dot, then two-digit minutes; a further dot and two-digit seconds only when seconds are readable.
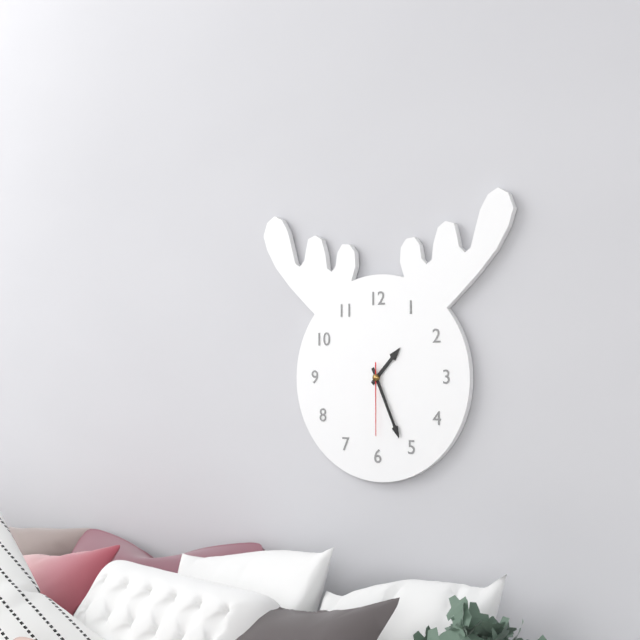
1.26.30
